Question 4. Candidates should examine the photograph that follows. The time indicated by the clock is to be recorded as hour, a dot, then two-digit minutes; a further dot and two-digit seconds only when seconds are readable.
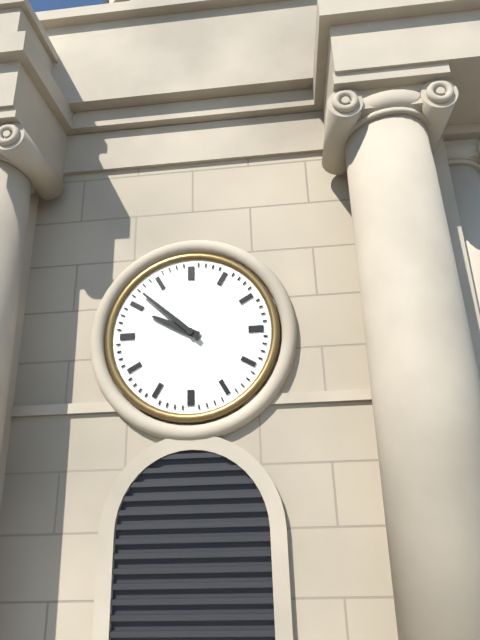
9.52
